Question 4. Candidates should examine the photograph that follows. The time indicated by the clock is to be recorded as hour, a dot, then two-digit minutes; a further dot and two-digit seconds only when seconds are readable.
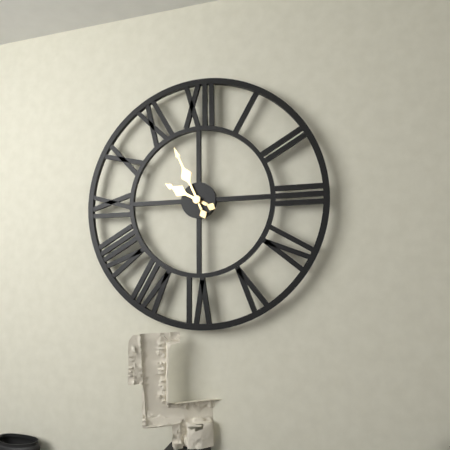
9.56
